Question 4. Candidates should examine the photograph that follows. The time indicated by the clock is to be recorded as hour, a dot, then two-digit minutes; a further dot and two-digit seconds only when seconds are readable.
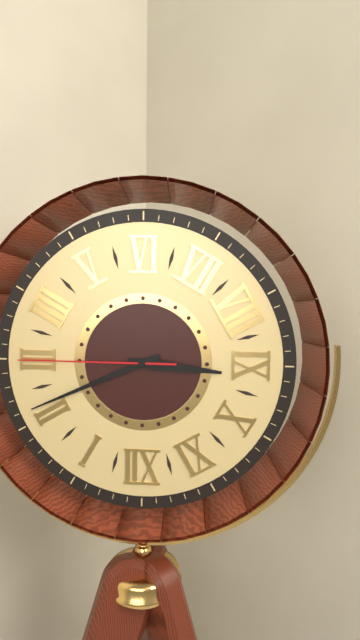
9.11.15
